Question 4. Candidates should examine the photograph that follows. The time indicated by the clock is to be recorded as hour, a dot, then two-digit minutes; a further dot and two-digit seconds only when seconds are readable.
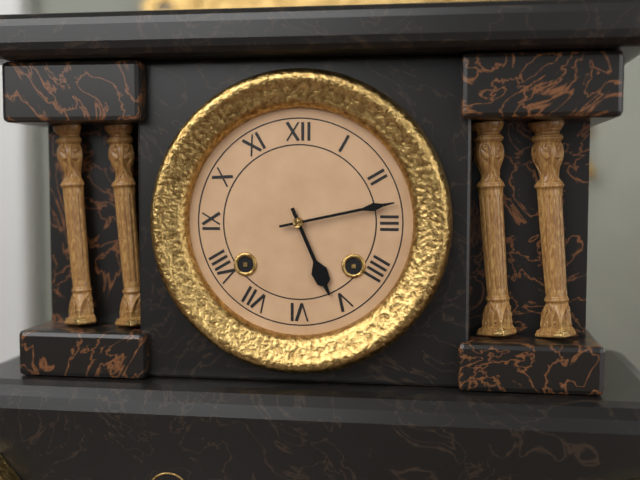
5.13
